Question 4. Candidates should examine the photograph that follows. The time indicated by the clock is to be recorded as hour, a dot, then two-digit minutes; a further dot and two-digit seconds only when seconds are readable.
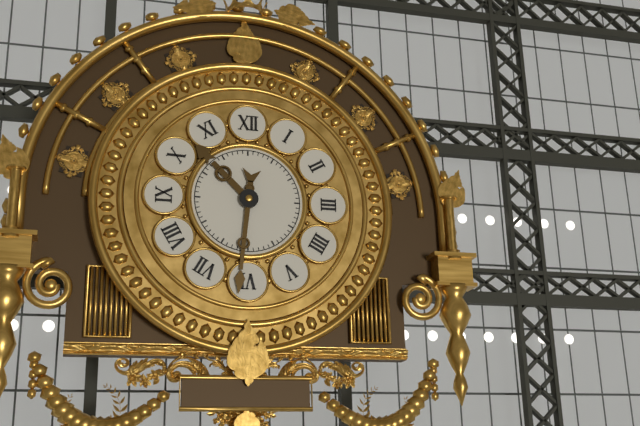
10.31
